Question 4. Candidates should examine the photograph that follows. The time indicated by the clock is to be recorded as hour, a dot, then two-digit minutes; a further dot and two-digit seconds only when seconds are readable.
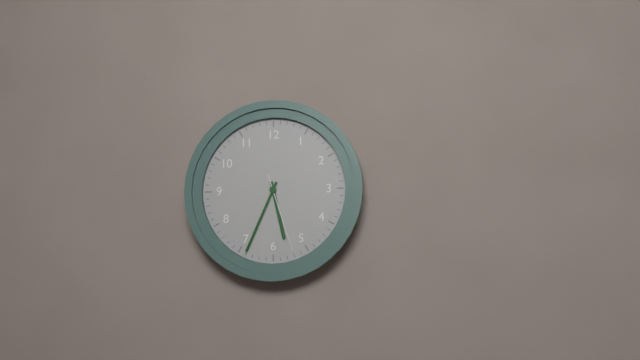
5.34.27
